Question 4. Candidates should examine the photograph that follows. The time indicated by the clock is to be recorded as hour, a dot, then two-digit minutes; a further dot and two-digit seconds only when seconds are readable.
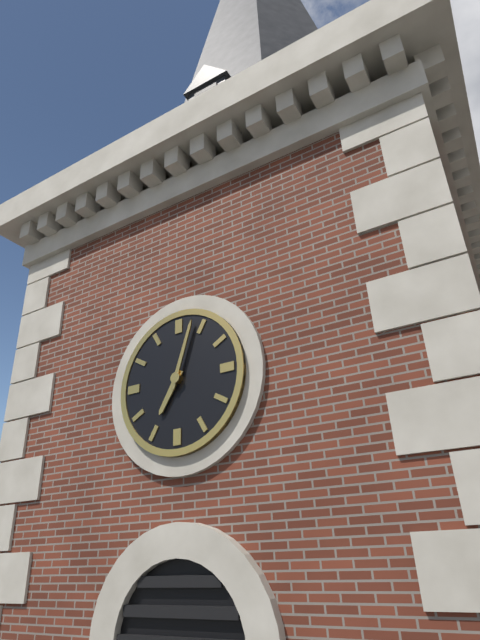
7.03
